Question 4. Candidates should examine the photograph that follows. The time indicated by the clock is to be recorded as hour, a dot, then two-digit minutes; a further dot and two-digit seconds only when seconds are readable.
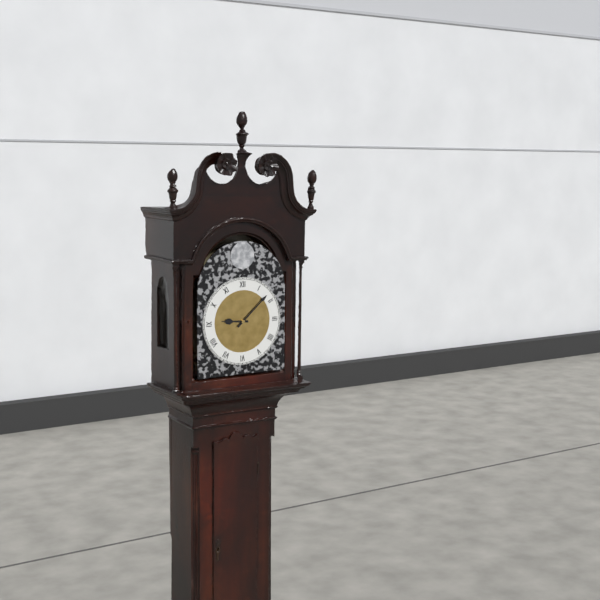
9.08
